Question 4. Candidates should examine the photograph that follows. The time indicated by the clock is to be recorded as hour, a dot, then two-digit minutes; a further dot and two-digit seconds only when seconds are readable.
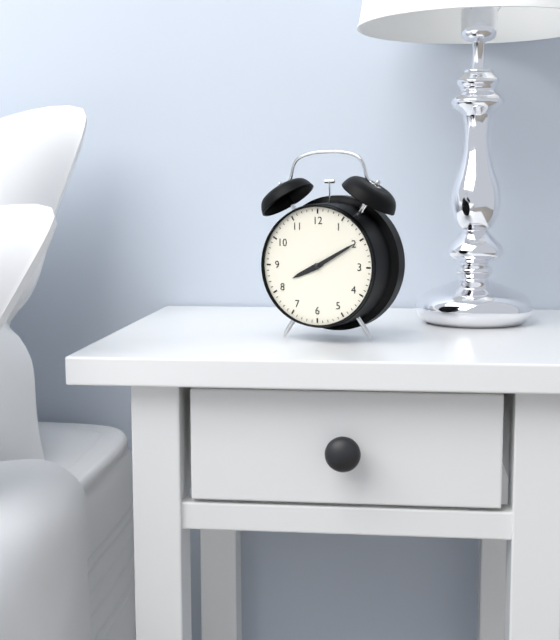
8.10
